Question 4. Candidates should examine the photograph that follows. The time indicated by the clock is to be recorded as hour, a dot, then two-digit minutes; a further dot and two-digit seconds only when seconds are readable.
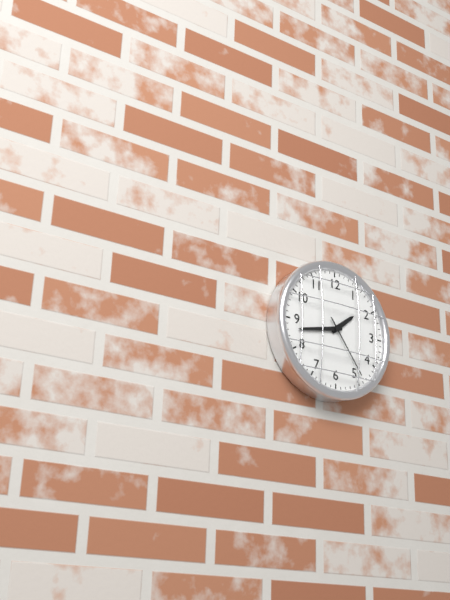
1.43.24
